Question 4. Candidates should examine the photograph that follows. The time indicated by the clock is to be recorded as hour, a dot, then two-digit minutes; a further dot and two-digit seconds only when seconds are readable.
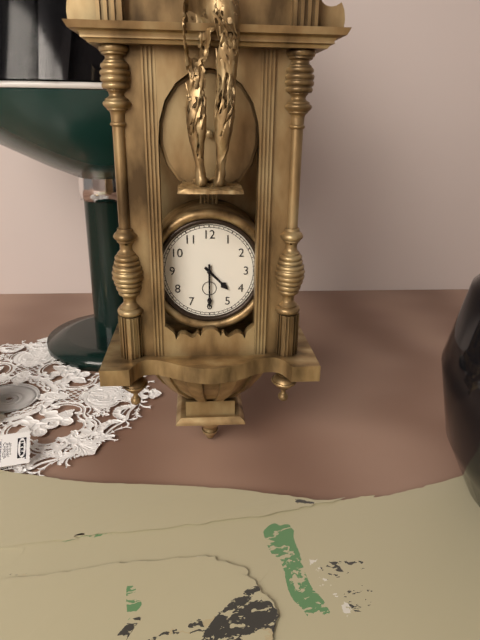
4.30
